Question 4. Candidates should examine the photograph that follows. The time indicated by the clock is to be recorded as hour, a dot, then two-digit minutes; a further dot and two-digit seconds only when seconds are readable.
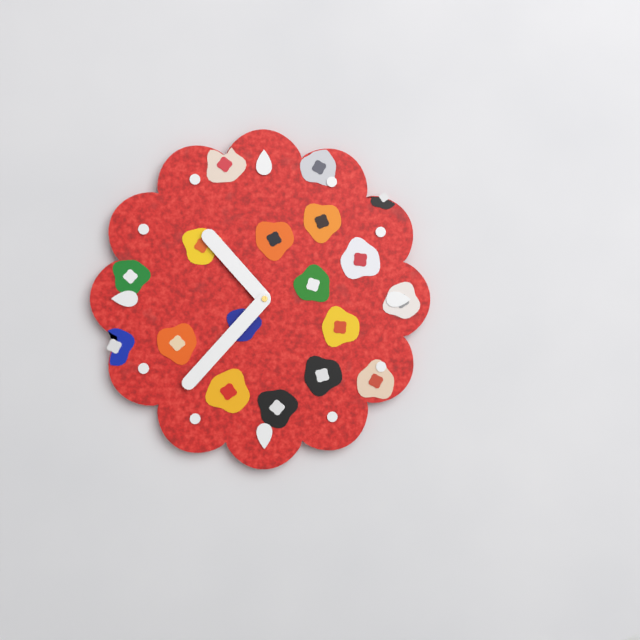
10.37
